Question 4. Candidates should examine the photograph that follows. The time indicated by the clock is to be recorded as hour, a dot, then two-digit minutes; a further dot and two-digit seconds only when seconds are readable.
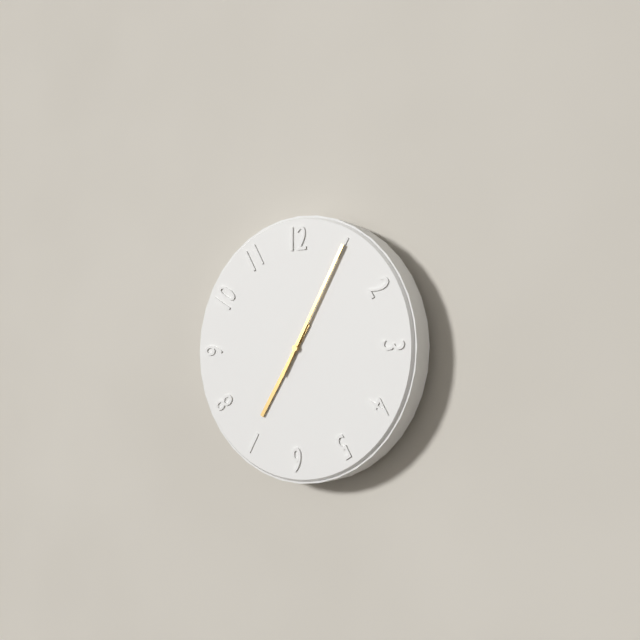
7.05
